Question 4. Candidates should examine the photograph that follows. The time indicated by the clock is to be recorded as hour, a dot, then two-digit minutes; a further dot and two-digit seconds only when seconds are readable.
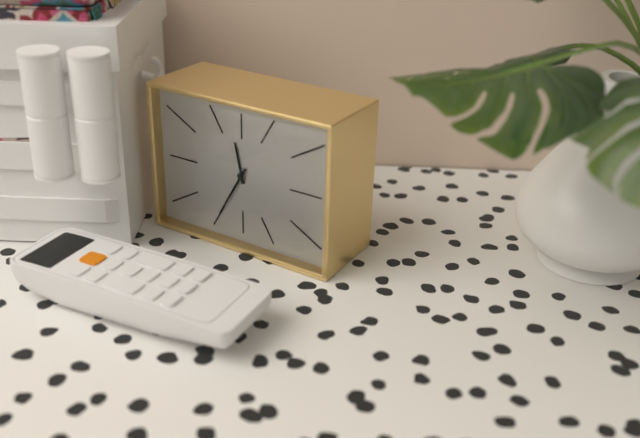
11.35
